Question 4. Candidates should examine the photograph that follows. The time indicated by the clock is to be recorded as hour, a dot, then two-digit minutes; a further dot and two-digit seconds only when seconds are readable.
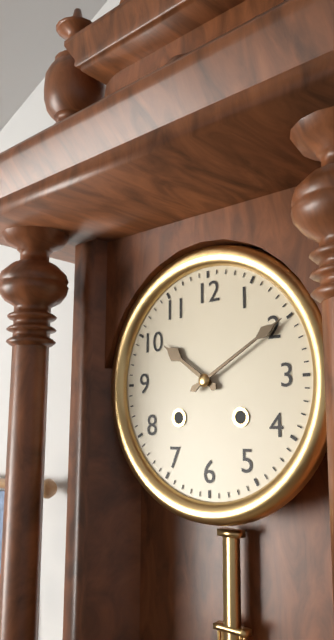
10.10
